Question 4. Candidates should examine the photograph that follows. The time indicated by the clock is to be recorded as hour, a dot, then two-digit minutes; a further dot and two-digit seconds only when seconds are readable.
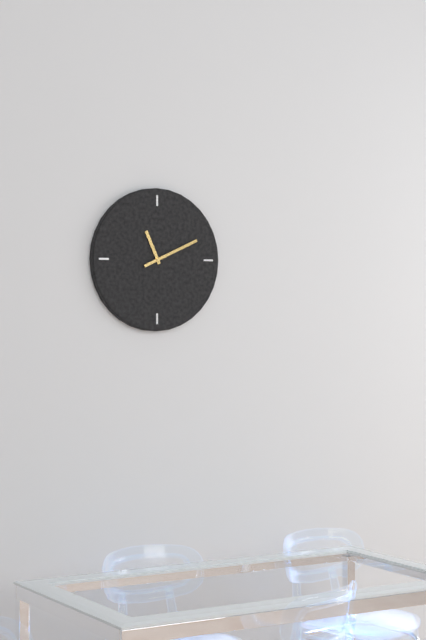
11.11
